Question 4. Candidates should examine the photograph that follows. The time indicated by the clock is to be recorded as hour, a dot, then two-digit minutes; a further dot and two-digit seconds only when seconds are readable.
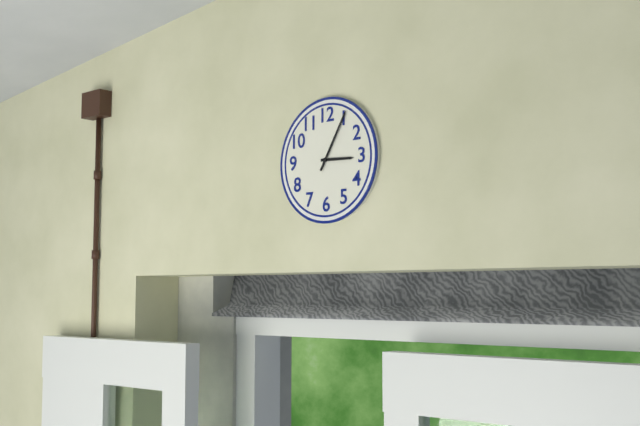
3.05
